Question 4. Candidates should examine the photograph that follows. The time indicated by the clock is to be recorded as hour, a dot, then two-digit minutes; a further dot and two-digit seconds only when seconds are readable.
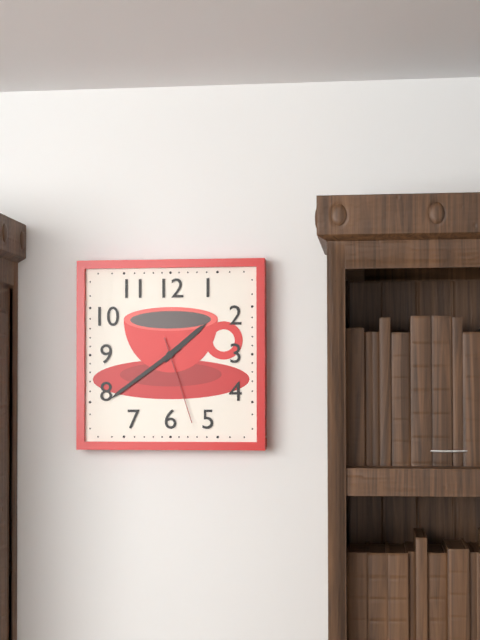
1.39.27
